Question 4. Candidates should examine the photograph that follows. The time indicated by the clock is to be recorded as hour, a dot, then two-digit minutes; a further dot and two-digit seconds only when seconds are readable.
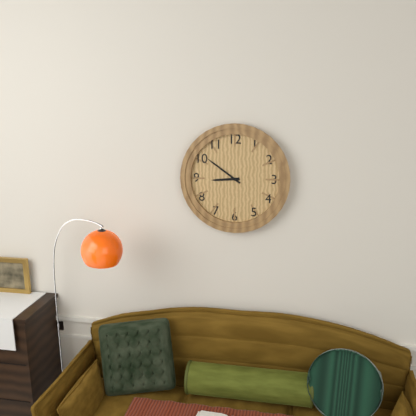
8.51
